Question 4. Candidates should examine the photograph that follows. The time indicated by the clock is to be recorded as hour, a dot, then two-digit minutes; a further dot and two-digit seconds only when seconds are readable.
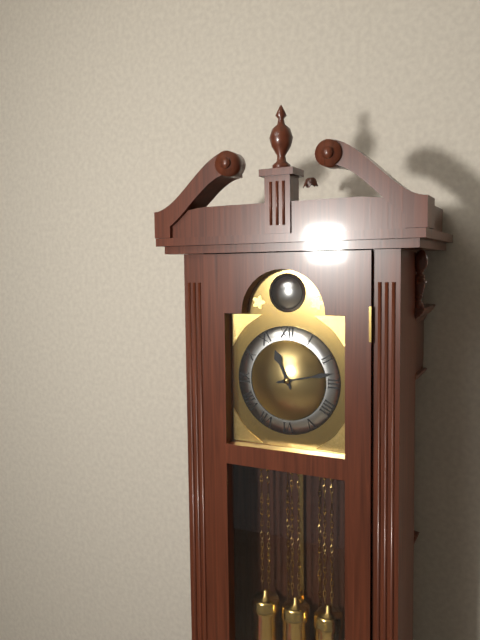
11.13
